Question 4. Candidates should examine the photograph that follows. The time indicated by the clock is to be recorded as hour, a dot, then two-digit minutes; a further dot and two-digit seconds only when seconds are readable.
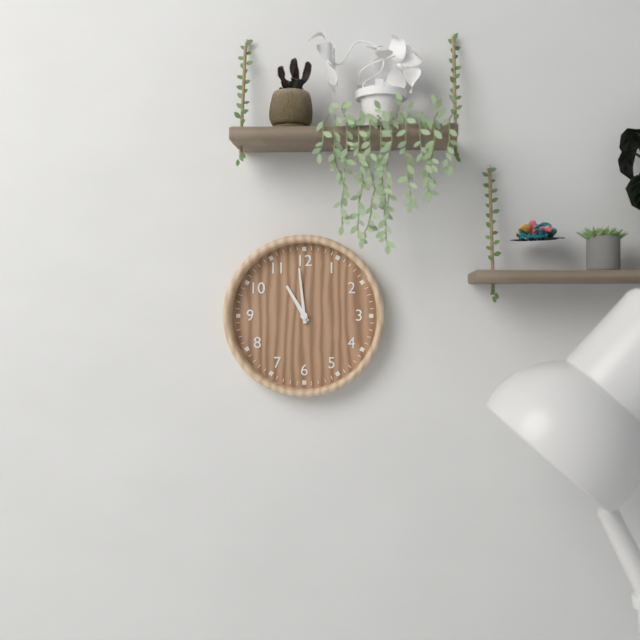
10.59
